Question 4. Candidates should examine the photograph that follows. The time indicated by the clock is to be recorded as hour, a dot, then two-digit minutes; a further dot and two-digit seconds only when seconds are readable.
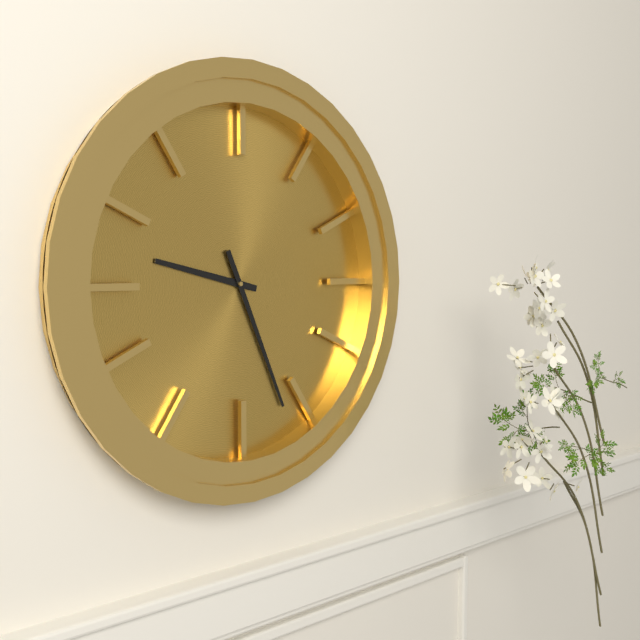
9.26
